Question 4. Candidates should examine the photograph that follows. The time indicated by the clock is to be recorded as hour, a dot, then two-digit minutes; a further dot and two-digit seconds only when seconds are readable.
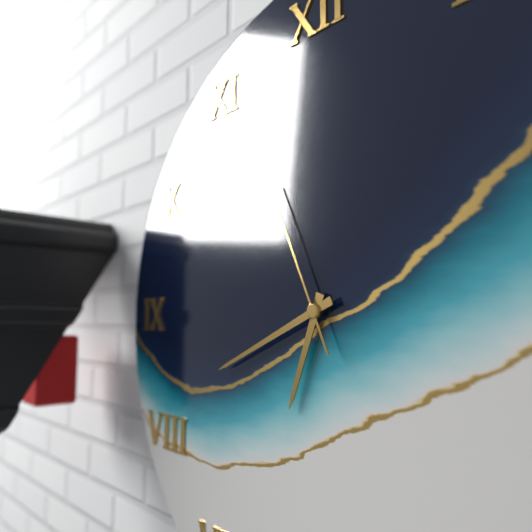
6.41.56
